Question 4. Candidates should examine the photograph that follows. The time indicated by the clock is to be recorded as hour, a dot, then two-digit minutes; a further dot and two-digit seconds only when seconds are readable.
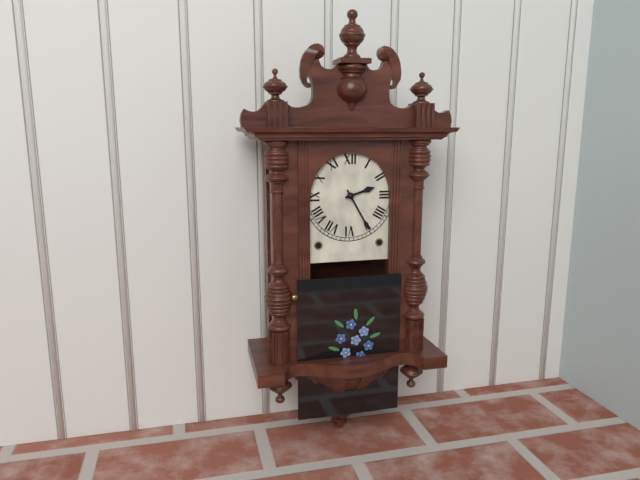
2.25
